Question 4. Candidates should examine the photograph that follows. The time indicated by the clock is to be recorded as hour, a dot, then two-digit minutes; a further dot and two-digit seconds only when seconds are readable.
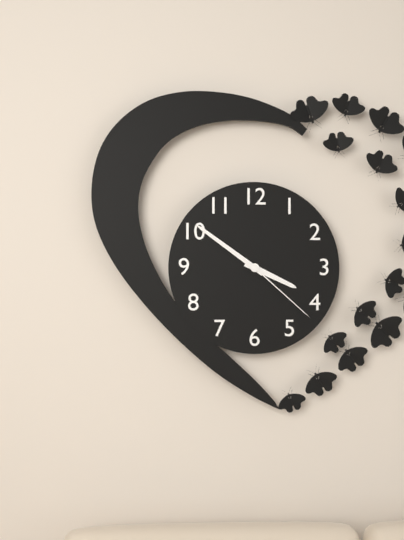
3.51.22
